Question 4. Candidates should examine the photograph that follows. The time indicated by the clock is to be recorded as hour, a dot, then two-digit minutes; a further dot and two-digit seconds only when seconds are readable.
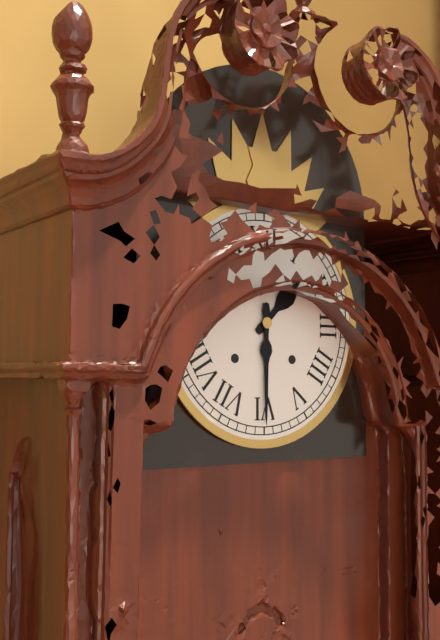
1.30
